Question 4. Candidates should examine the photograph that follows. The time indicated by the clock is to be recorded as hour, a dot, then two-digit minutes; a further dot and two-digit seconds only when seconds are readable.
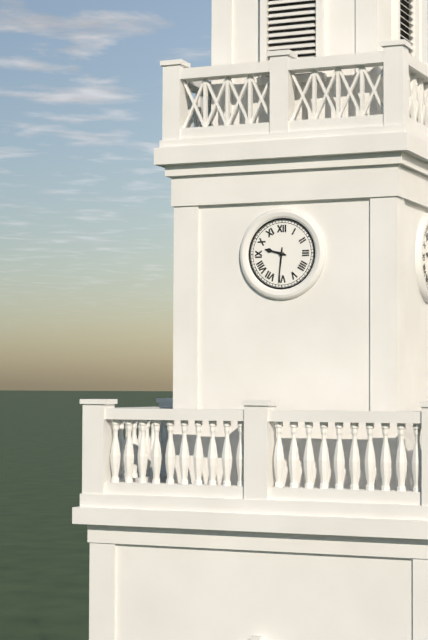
9.31
